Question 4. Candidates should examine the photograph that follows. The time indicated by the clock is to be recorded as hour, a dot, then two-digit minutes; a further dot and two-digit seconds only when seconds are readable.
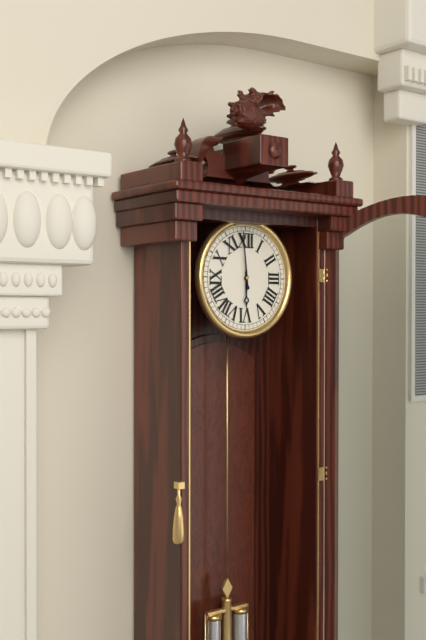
5.59
